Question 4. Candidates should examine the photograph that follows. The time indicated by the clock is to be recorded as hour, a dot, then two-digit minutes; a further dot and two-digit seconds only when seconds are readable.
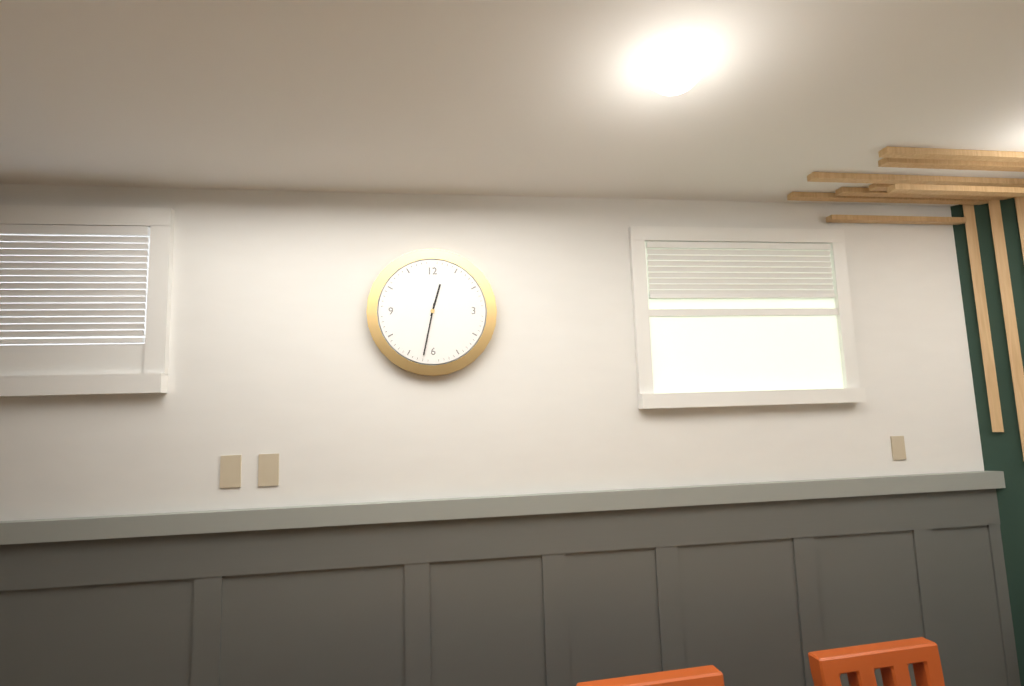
12.32
